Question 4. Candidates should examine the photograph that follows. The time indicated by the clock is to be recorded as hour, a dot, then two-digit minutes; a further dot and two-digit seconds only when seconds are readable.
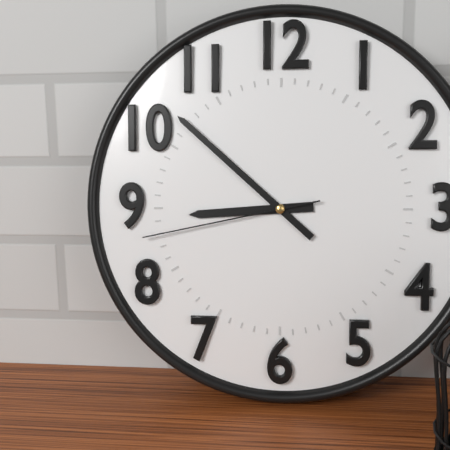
8.52.43
